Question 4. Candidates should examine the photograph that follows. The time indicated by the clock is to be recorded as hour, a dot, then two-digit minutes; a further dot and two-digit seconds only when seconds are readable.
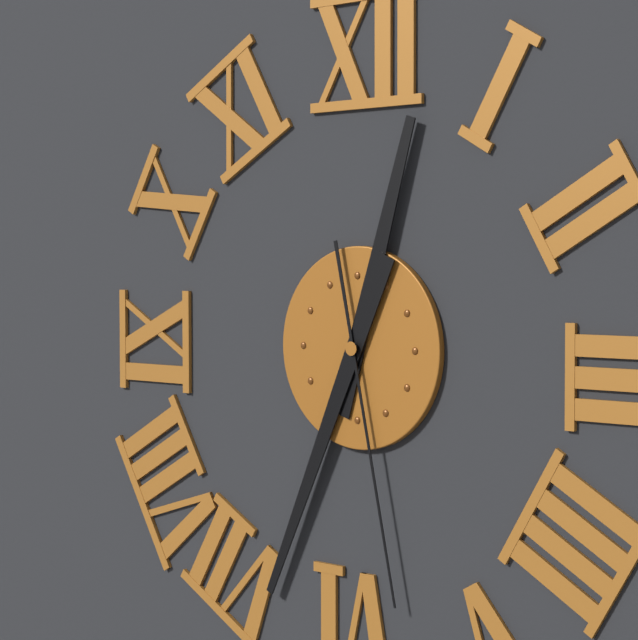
12.34.28
